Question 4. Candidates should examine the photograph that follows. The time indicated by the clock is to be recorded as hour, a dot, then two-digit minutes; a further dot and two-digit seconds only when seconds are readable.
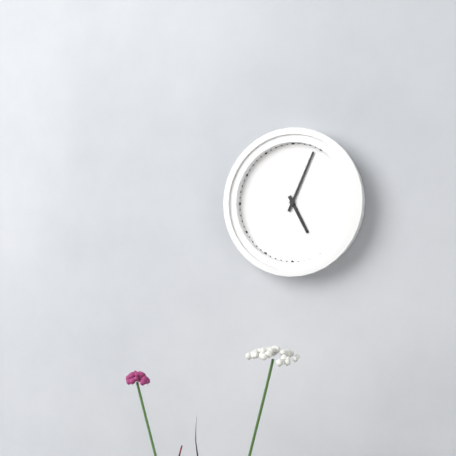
5.04
